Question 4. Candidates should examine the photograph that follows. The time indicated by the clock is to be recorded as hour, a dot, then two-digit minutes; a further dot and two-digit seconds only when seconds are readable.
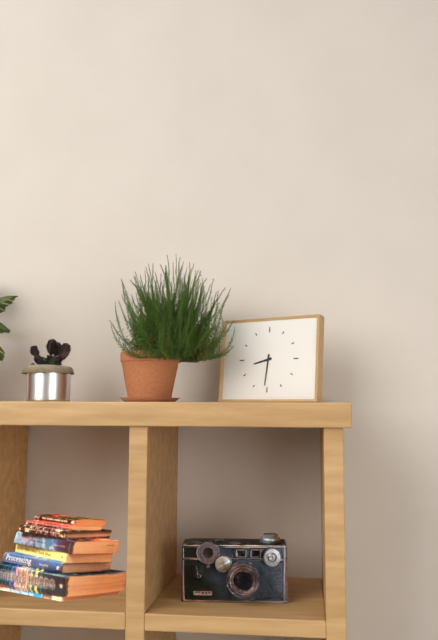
8.31
